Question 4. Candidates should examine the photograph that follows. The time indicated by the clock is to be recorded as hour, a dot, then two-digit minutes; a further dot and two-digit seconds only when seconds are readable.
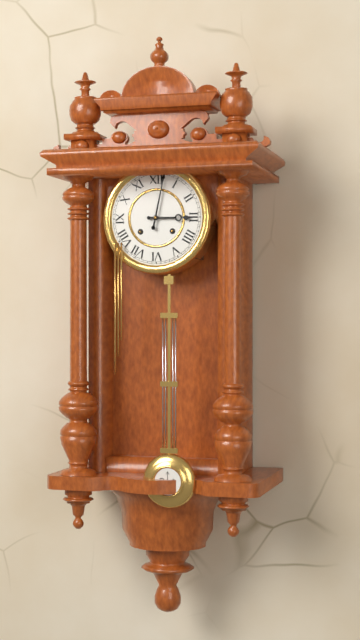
3.02
